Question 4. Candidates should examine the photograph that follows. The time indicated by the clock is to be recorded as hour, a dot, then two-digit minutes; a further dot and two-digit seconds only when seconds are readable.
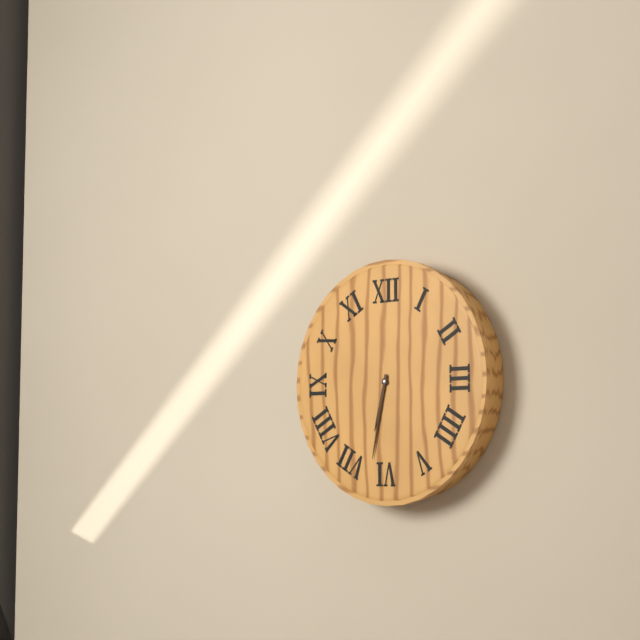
6.32
